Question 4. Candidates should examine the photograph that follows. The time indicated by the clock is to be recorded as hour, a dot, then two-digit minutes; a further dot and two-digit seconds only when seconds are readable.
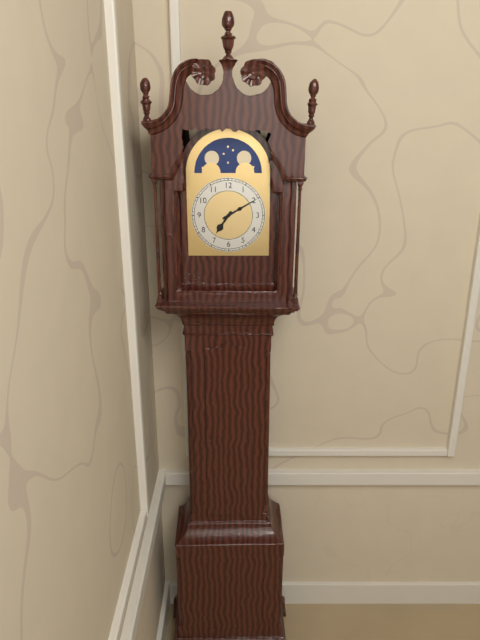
7.10
